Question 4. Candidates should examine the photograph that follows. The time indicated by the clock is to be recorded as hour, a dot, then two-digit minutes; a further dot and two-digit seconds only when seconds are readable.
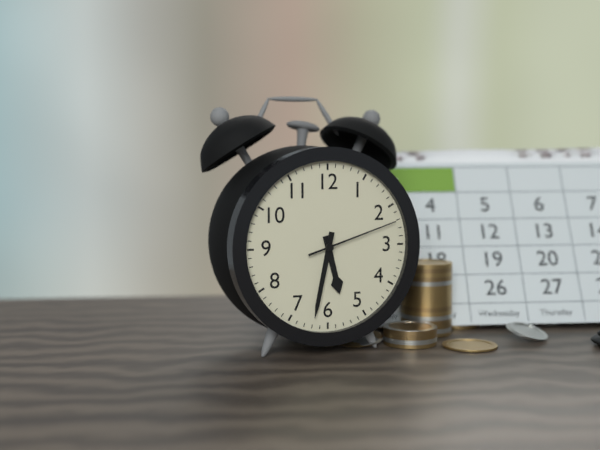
5.32.12
